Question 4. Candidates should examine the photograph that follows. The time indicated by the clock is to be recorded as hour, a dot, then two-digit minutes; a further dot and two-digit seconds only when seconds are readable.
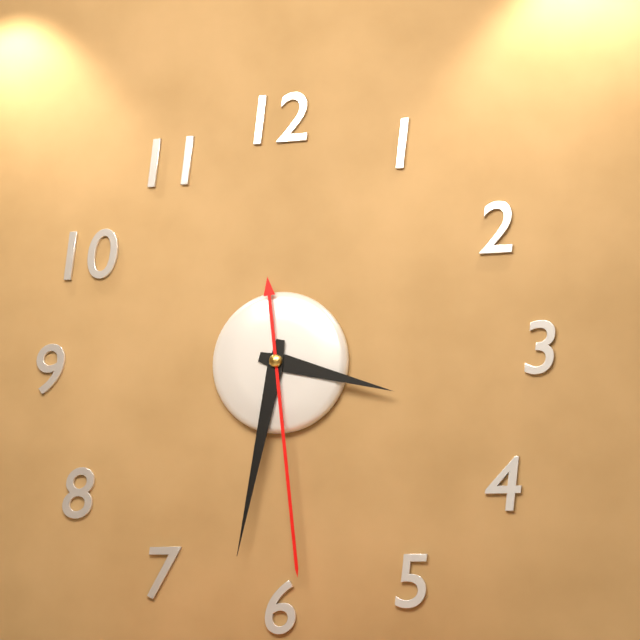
3.32.29
